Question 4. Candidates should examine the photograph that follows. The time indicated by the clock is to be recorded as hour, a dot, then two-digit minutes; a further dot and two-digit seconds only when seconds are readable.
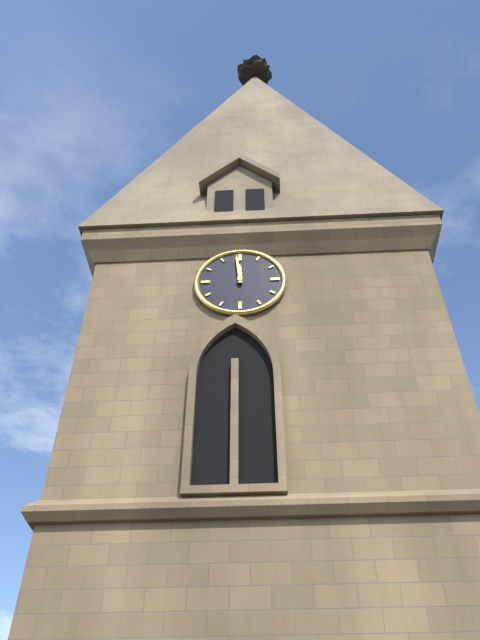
11.59
